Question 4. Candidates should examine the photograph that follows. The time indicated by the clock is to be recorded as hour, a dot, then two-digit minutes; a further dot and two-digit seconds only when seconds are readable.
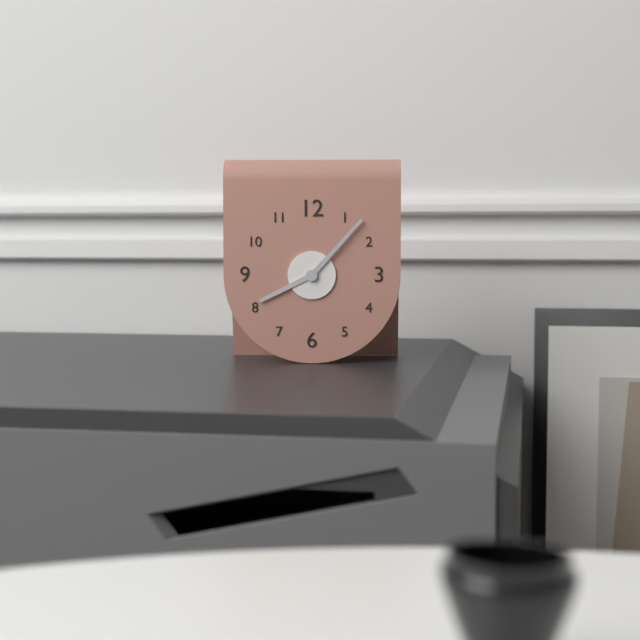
8.07
